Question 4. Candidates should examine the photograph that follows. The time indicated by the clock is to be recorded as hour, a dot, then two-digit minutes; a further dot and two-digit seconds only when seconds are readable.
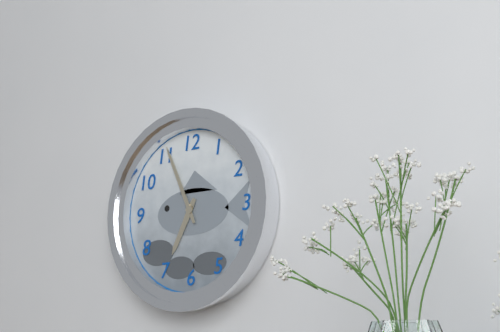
6.56
